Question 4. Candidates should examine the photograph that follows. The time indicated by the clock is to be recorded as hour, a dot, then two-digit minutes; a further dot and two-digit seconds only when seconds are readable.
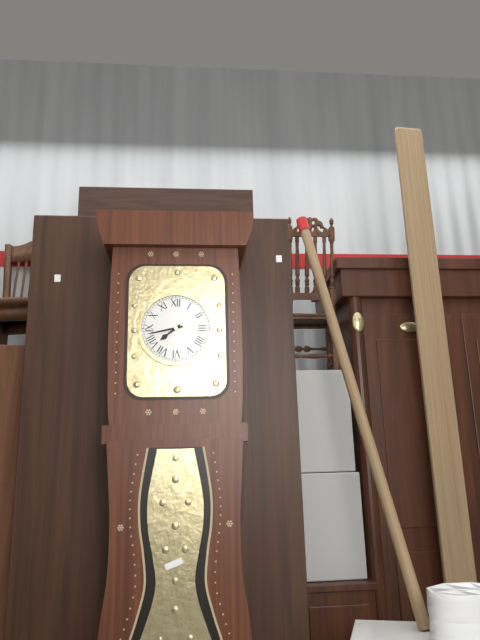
7.43
